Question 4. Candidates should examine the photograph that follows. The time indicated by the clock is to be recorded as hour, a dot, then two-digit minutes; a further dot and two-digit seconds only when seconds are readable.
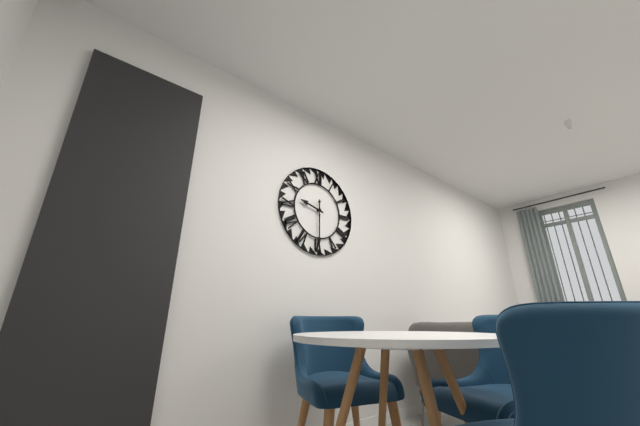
9.30
